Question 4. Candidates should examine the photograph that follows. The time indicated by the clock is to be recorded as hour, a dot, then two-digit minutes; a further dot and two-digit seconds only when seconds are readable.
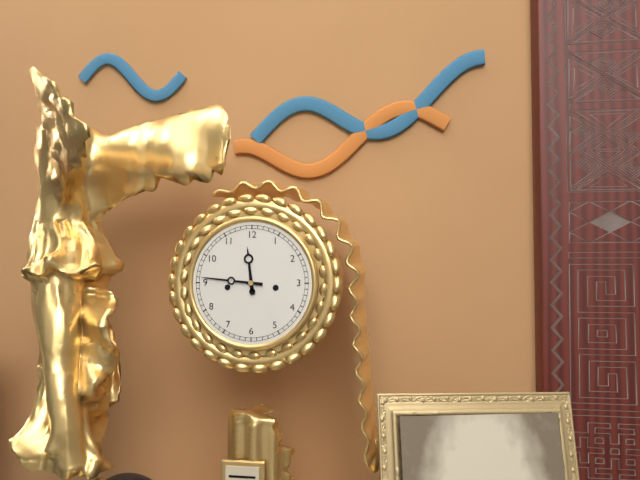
11.46
